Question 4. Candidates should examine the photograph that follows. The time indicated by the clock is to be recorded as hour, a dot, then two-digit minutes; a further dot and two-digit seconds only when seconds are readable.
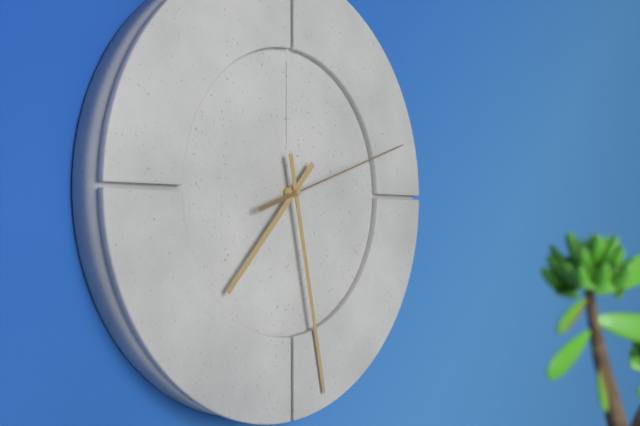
7.28.12
